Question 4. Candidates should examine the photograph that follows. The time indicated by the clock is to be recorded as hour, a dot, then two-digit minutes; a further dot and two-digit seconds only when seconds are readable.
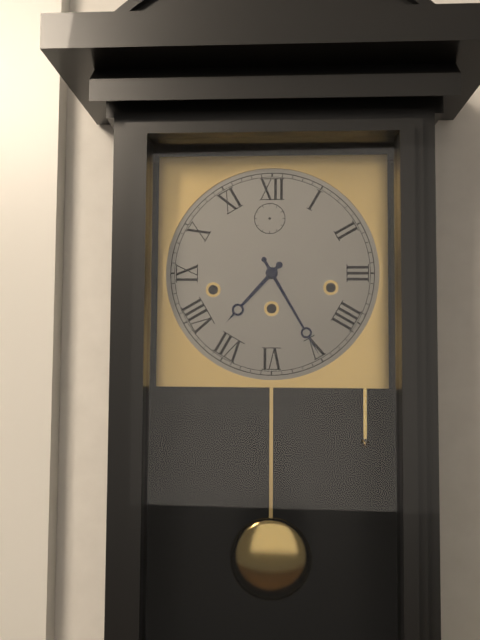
7.25
